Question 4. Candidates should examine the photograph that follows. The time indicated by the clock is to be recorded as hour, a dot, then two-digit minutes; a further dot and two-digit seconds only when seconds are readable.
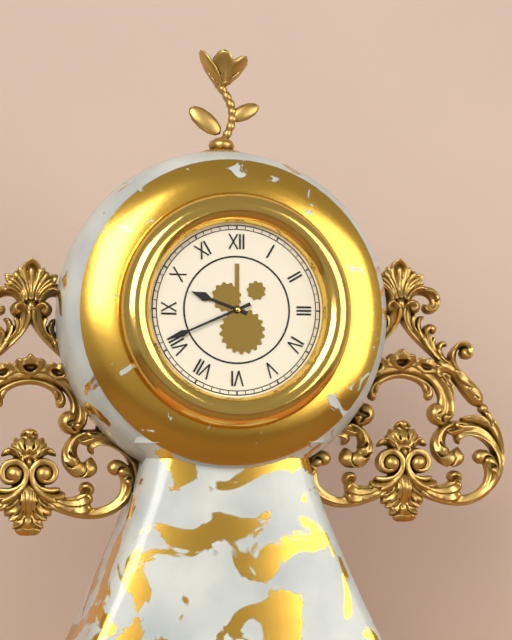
9.41
